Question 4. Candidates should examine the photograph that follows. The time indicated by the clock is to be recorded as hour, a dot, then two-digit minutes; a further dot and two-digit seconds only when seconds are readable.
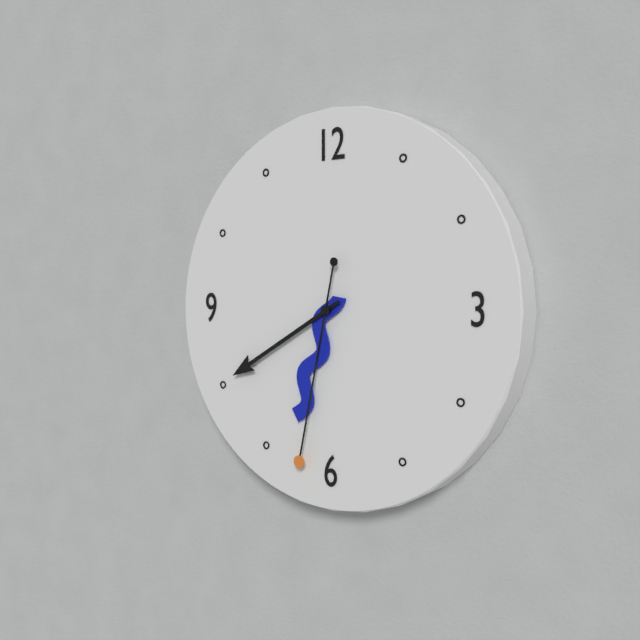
6.40.32
